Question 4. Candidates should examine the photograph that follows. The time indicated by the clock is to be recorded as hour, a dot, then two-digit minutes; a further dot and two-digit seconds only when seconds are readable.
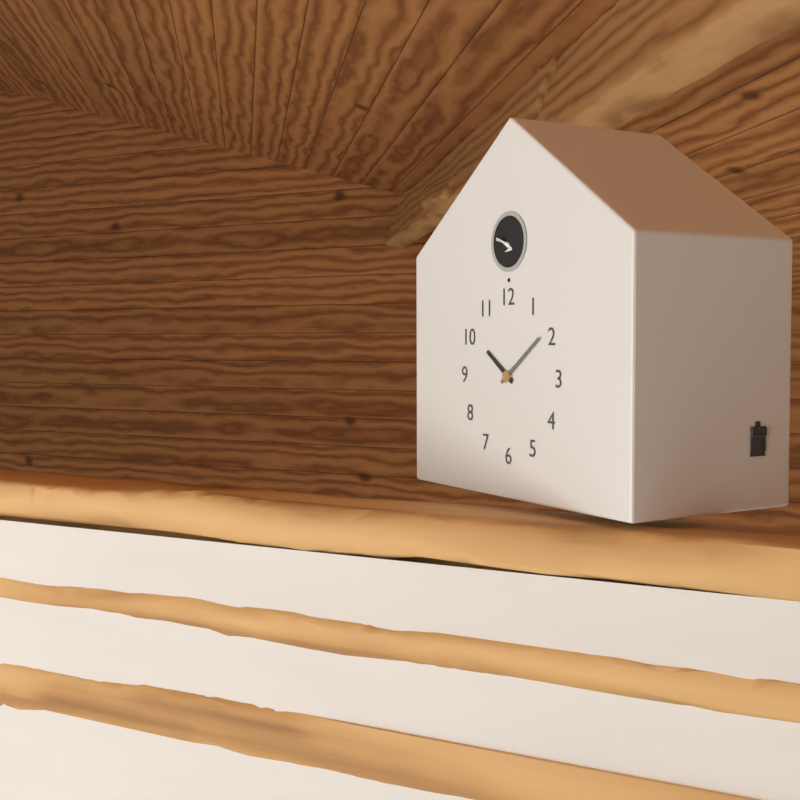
10.09
